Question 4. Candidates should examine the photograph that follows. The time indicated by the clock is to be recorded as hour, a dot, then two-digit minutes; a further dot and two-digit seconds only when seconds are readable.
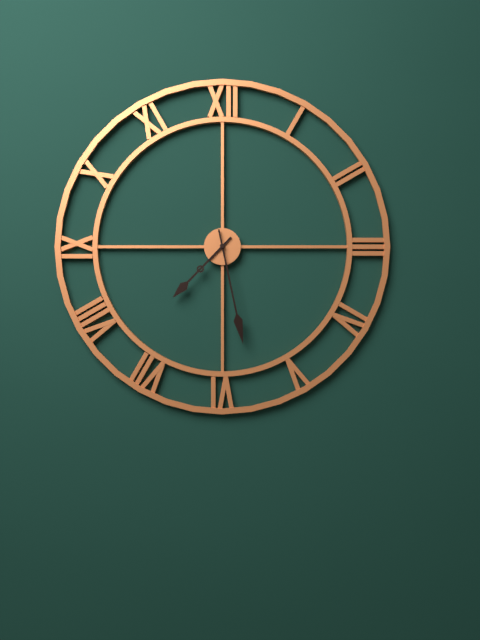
7.28
